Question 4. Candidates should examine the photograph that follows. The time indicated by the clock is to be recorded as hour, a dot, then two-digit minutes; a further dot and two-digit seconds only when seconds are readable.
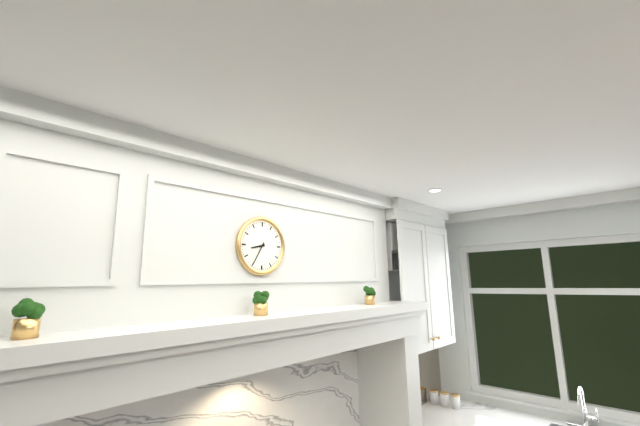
8.35
